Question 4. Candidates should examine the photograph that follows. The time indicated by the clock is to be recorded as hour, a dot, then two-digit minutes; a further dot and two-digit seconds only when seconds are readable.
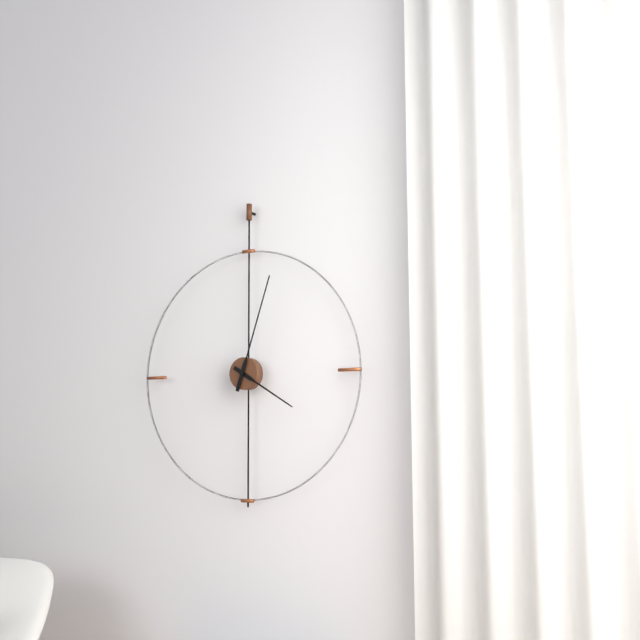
4.03
